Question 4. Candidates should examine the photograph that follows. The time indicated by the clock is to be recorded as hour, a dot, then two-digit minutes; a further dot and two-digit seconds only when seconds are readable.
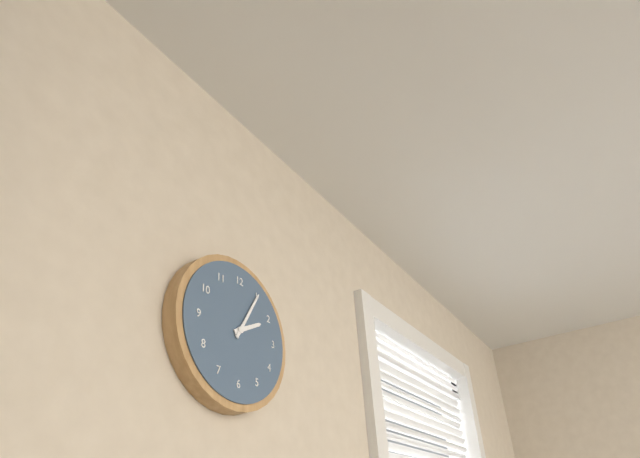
2.05
